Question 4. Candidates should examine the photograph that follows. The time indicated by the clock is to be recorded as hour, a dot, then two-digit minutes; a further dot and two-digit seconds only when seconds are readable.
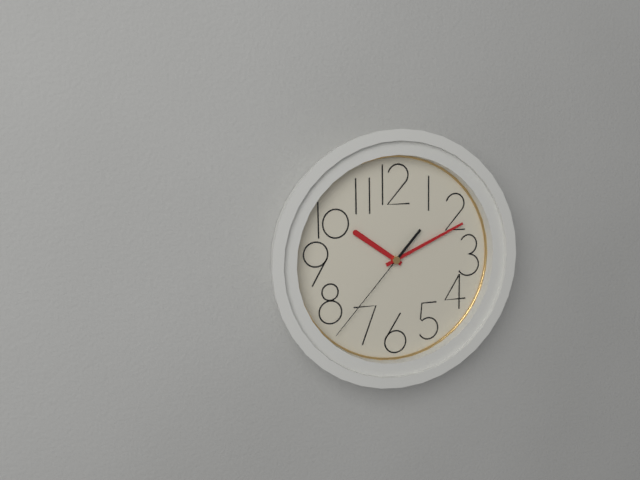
10.11.37
